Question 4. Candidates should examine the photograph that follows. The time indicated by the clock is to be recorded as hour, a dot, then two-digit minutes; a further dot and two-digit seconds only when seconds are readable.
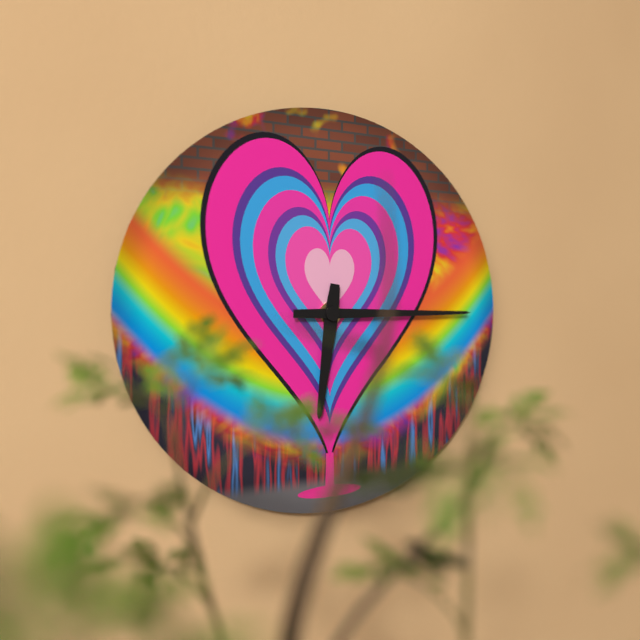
6.15
